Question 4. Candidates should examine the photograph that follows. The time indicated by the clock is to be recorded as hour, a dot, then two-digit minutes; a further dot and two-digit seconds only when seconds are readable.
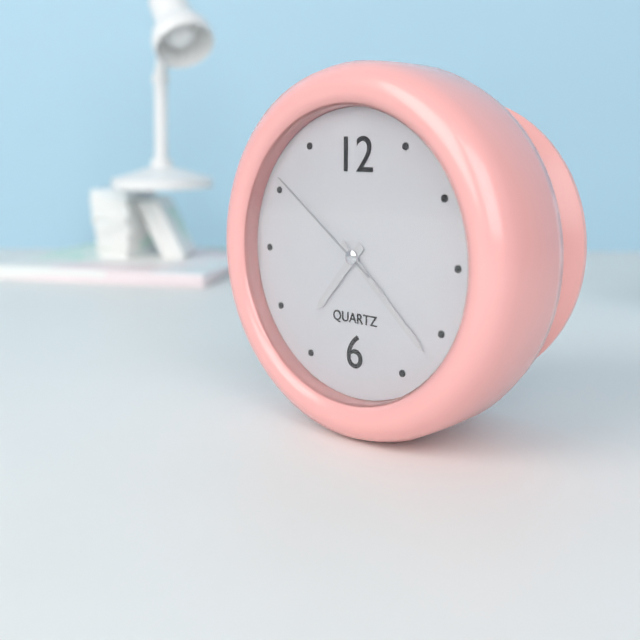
7.22.51
